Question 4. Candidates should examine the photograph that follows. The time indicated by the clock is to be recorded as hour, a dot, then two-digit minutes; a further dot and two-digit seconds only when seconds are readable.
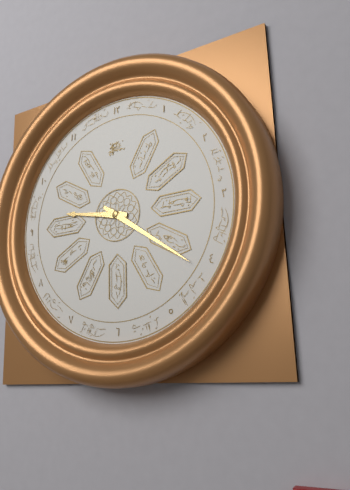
9.21
